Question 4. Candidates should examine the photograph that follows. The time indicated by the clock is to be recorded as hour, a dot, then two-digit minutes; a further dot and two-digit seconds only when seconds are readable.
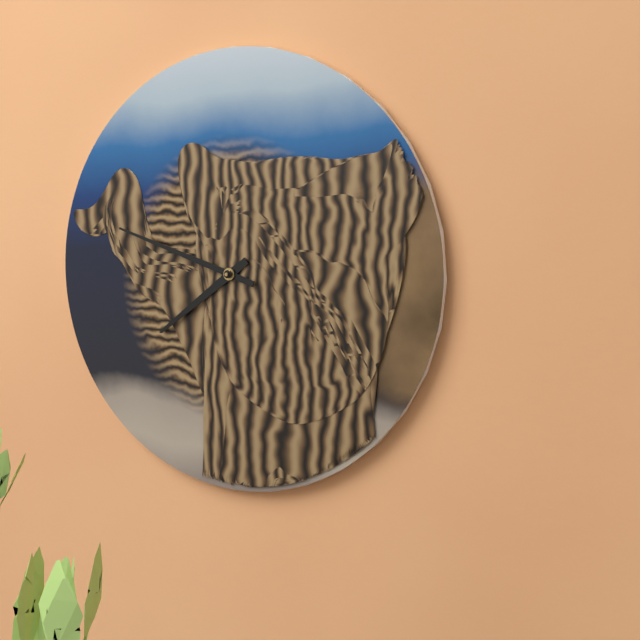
7.48
